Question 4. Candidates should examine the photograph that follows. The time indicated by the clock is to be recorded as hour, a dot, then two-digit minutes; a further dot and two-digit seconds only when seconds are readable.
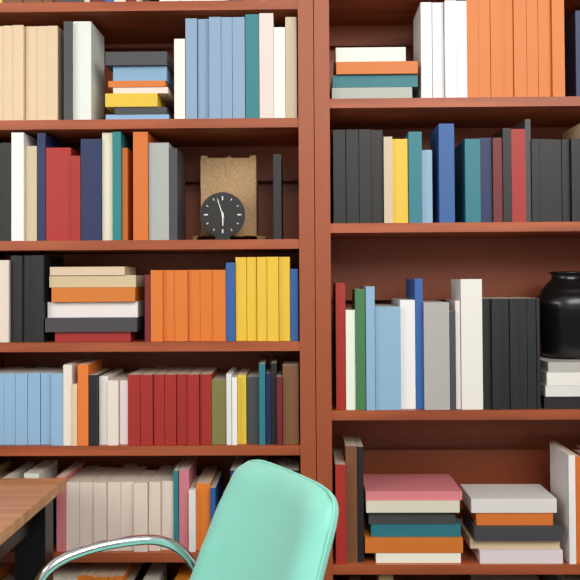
5.57
